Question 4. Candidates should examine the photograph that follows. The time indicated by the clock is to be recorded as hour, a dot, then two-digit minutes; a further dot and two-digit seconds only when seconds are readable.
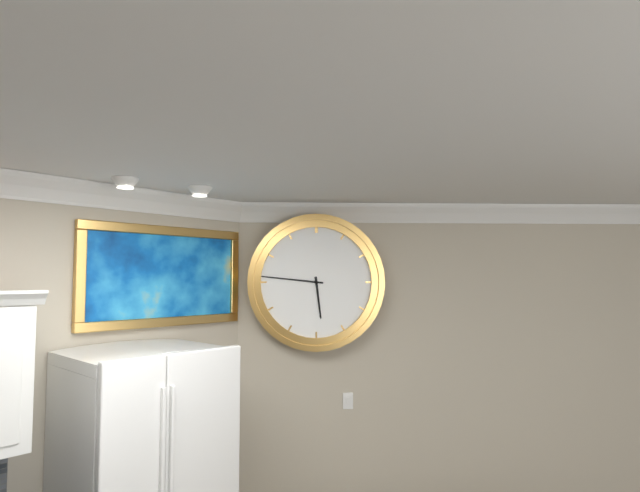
5.46
